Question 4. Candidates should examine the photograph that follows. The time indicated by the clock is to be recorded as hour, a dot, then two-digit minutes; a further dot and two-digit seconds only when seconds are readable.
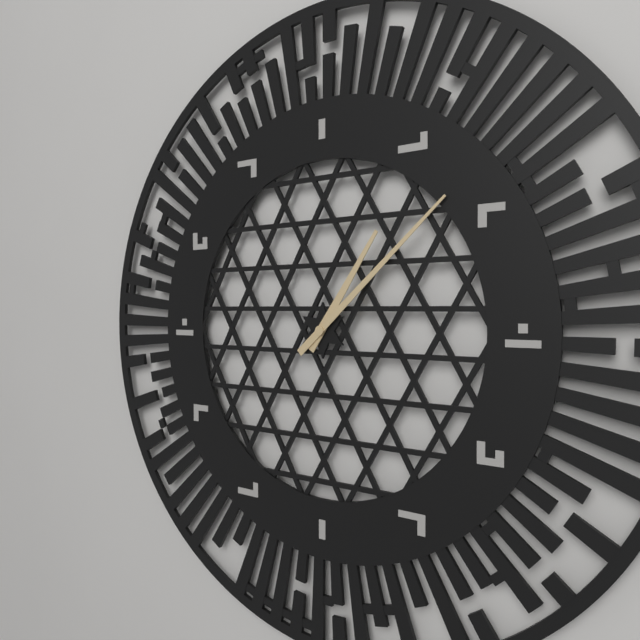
1.08
